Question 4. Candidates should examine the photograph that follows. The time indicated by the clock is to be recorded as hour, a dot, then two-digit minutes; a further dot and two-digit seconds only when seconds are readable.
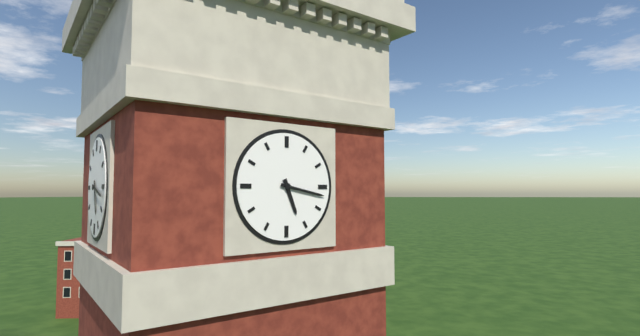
5.17
